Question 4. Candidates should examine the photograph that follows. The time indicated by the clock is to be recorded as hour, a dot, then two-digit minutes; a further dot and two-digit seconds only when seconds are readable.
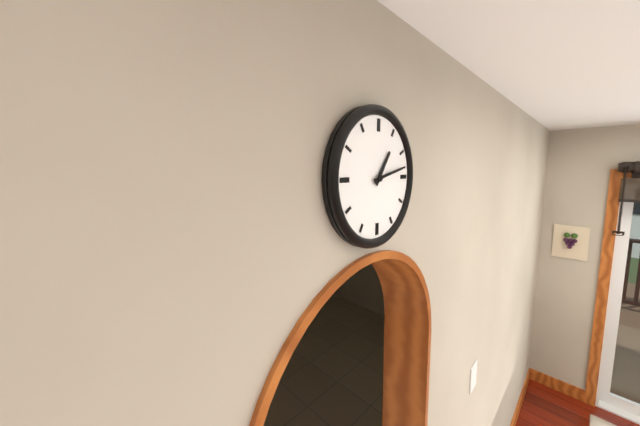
1.13
